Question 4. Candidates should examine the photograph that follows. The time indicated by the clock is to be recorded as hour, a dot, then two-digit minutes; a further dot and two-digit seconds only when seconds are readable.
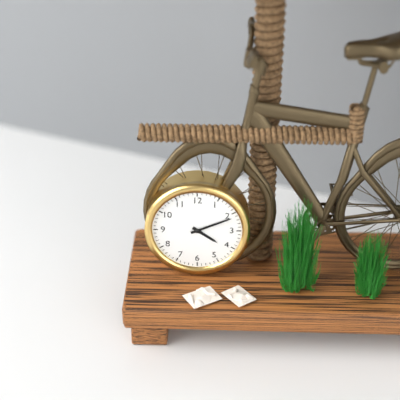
4.11
